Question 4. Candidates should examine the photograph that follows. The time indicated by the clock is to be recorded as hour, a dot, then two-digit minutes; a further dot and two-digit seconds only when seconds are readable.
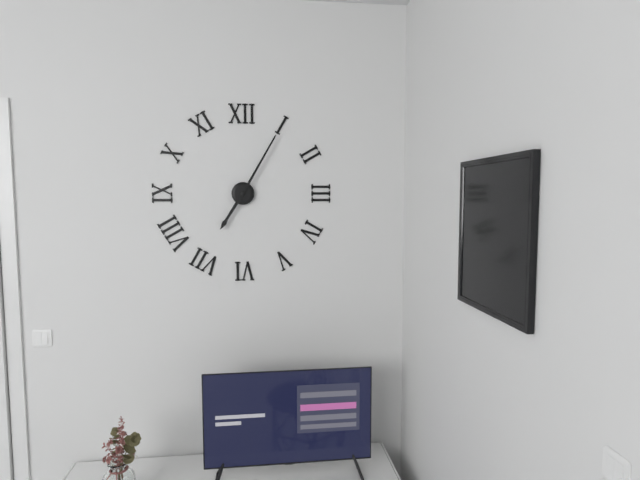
7.05
